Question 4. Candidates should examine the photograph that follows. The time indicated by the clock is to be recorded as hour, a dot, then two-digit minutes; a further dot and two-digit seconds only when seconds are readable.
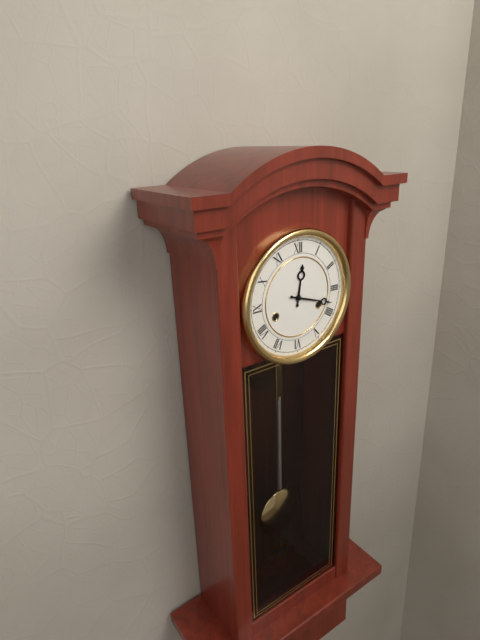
12.18
